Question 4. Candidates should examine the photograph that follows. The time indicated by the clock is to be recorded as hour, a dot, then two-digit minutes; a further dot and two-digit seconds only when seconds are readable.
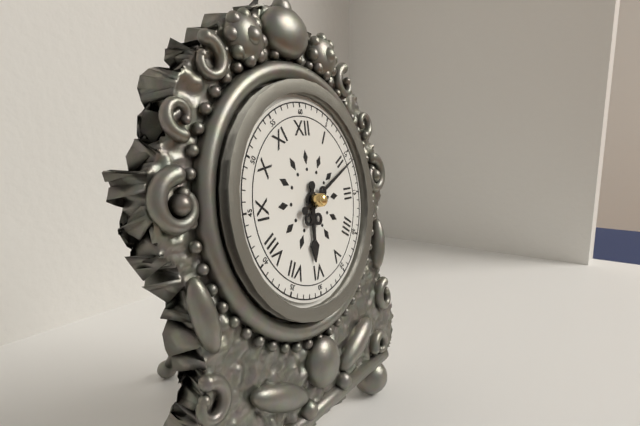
6.11
